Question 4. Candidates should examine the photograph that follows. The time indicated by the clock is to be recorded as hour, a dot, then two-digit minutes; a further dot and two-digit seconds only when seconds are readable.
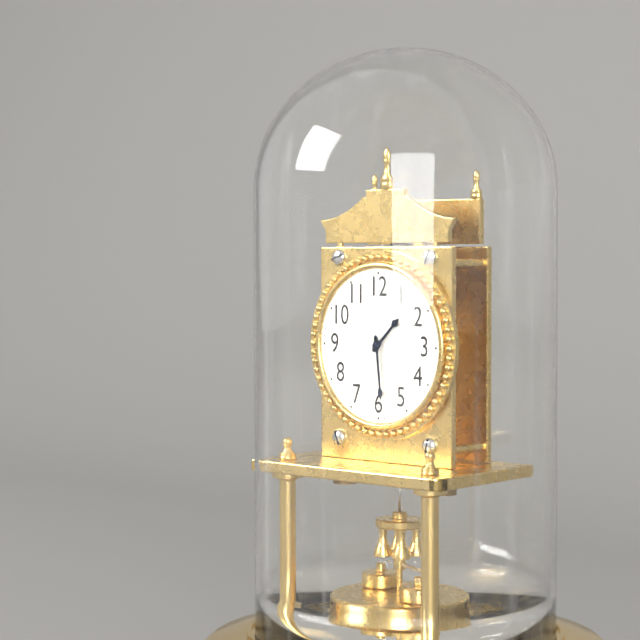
1.29
